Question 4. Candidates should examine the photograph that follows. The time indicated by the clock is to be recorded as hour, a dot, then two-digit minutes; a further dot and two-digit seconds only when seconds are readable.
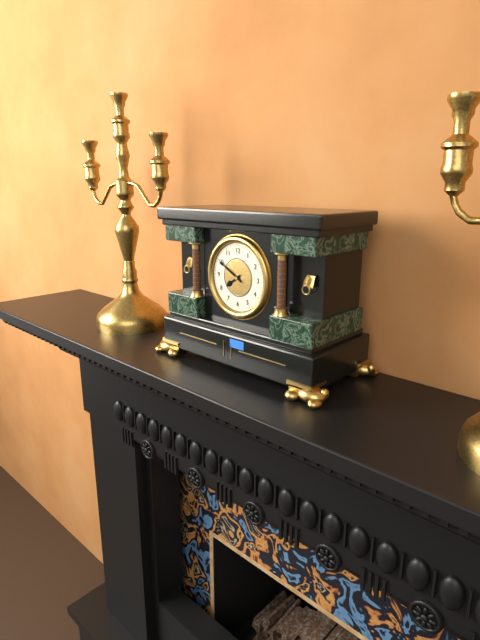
7.50
